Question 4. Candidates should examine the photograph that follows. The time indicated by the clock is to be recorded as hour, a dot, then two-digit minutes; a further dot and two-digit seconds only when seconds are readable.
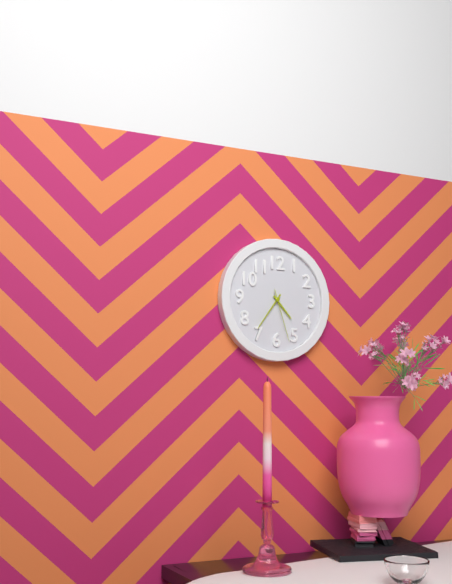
4.36.27
